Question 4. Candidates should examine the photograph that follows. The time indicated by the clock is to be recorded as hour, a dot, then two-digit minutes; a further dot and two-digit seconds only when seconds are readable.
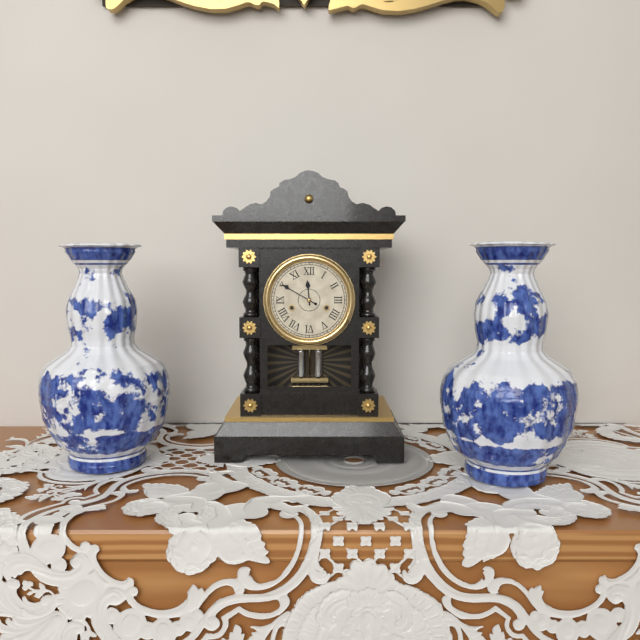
11.50
